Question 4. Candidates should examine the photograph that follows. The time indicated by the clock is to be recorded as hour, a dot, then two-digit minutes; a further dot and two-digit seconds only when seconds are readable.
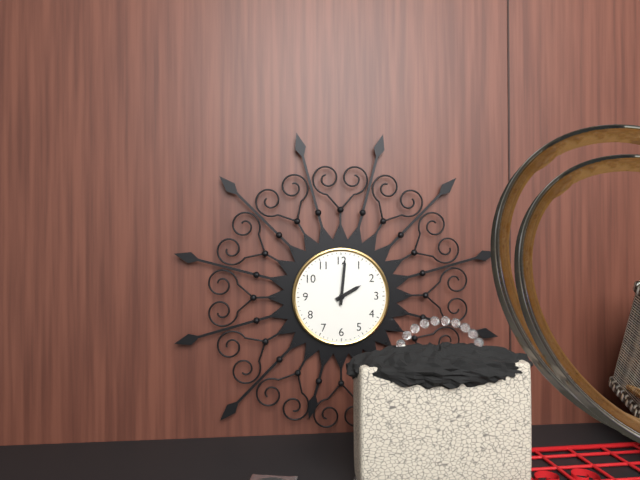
2.01
